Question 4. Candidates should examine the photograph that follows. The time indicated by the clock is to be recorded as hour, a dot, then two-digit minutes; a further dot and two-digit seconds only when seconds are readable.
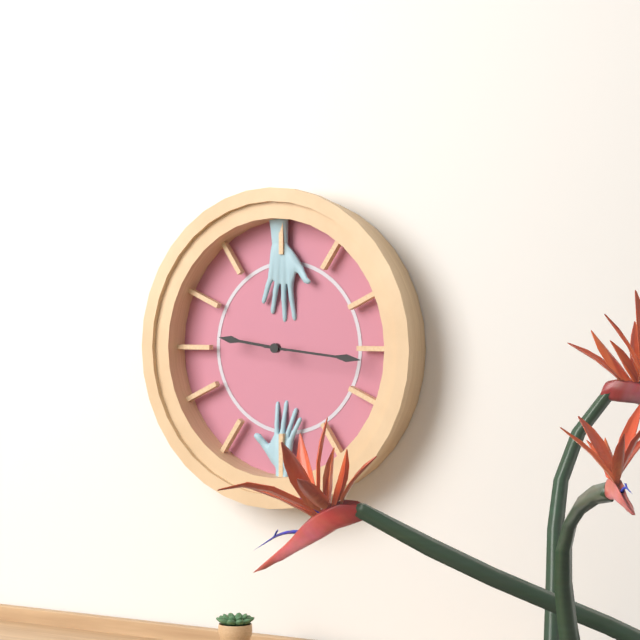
9.16
